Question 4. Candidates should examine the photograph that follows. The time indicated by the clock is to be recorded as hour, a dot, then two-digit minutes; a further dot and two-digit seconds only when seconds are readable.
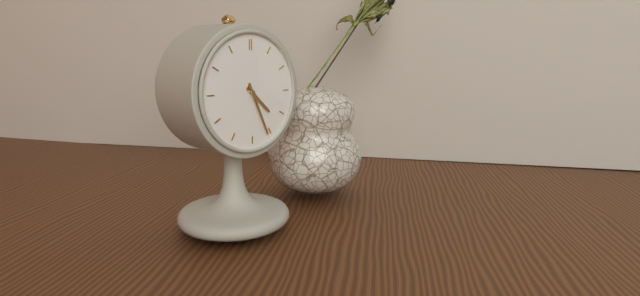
4.26
